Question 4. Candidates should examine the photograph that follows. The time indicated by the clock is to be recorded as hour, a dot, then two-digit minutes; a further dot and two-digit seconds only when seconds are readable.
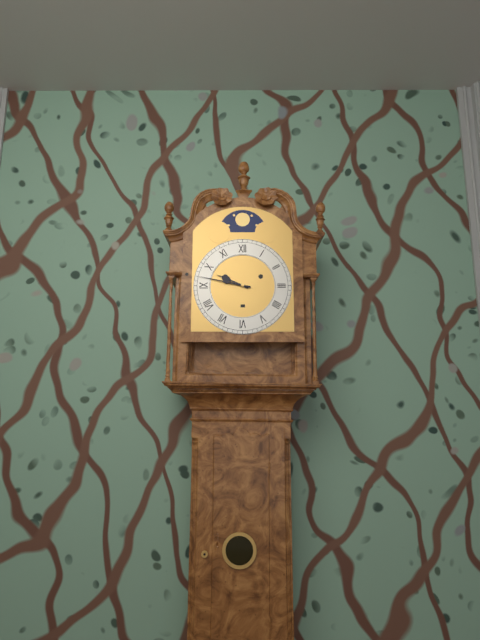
9.47
